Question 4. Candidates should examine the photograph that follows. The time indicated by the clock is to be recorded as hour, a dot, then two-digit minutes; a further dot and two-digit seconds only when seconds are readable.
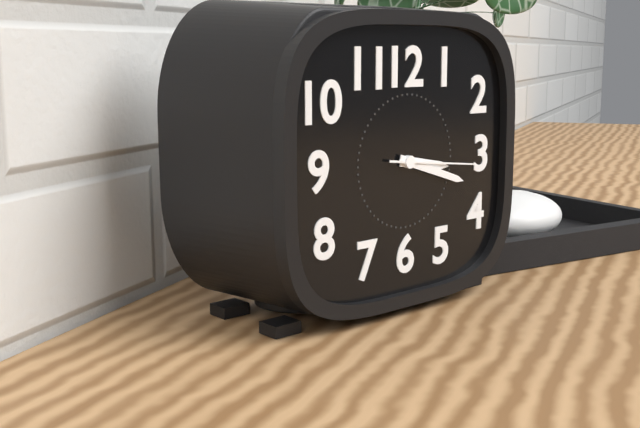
3.18.16
